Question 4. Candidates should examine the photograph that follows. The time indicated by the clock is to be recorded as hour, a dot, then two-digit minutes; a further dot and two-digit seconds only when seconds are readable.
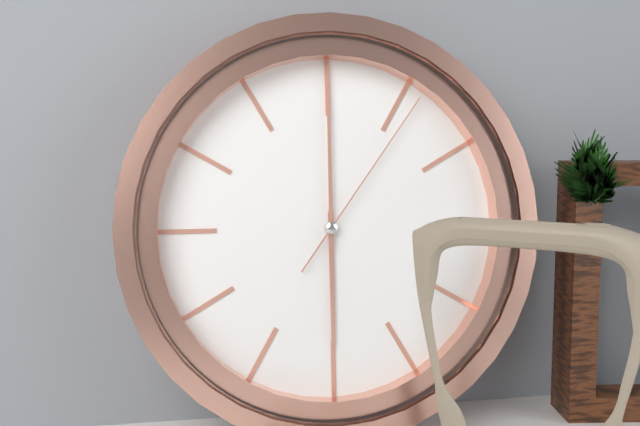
6.00.06
